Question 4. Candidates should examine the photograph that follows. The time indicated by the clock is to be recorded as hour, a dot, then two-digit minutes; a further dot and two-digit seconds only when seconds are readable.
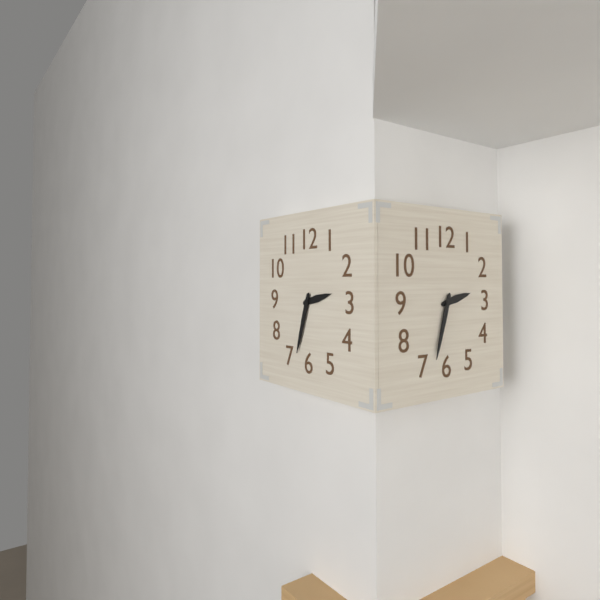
2.33
